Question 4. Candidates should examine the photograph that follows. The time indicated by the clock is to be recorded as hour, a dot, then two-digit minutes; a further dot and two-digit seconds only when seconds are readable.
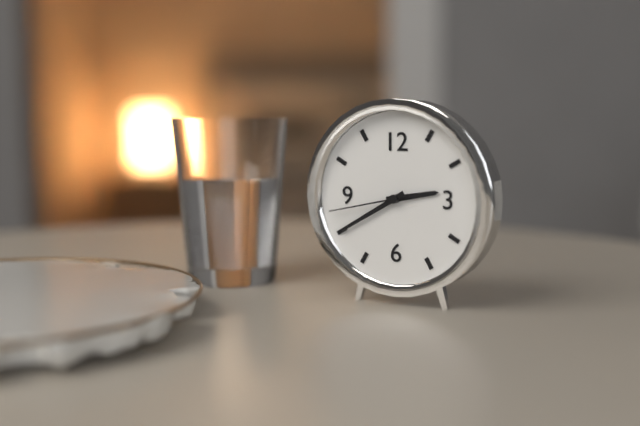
2.40.43
